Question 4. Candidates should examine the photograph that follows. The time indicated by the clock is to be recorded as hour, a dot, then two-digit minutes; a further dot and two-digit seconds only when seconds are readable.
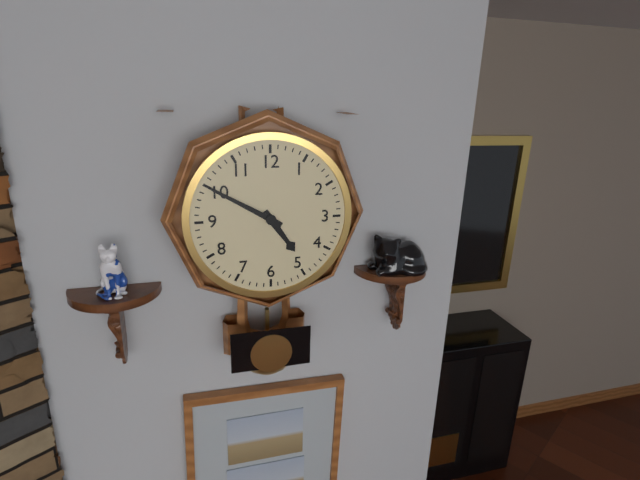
4.50
